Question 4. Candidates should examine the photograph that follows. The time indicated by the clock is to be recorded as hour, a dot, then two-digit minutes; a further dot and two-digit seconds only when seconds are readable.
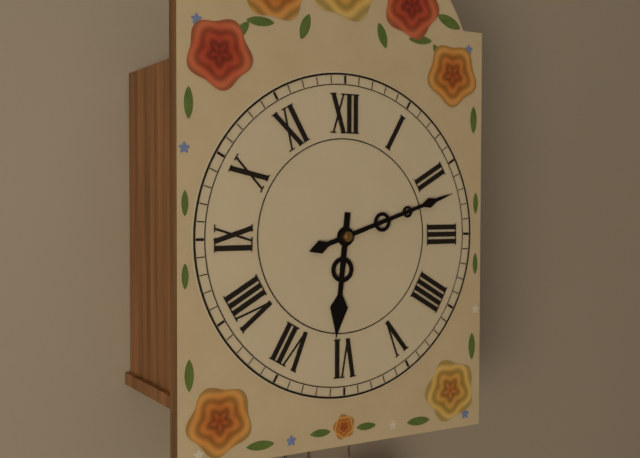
6.12
